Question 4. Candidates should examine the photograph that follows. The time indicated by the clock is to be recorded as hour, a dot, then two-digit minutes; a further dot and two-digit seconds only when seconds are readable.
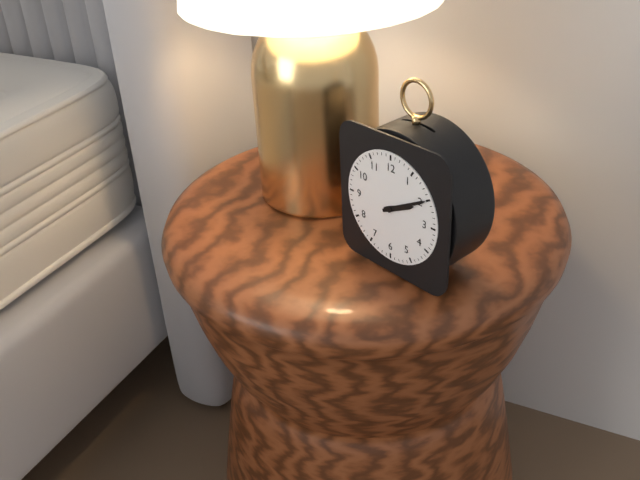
2.10
